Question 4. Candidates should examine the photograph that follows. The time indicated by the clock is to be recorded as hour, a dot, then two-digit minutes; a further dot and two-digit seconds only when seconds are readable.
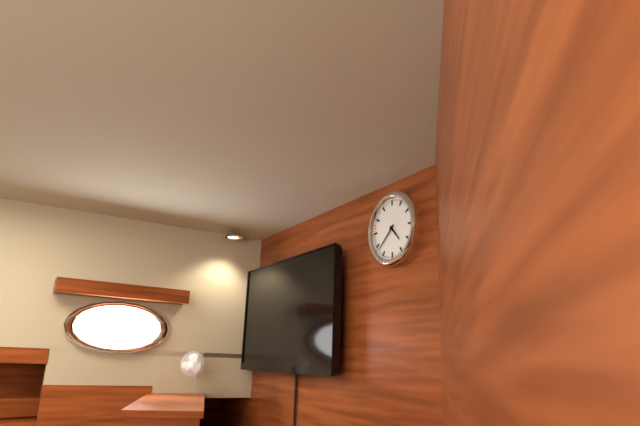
4.38
